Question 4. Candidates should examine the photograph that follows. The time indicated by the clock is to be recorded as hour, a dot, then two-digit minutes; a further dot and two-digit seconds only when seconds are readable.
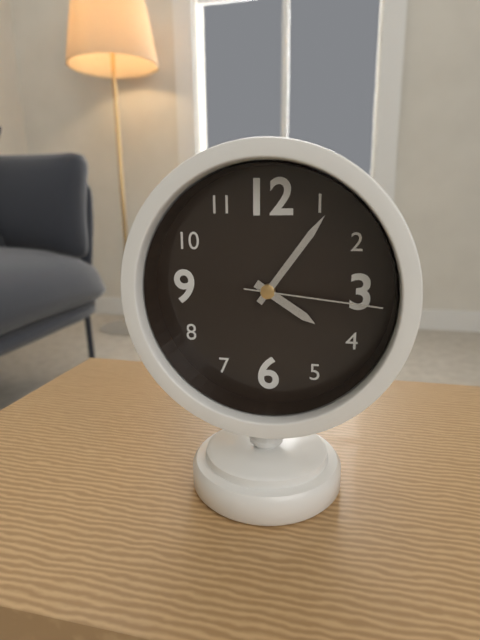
4.06.16
